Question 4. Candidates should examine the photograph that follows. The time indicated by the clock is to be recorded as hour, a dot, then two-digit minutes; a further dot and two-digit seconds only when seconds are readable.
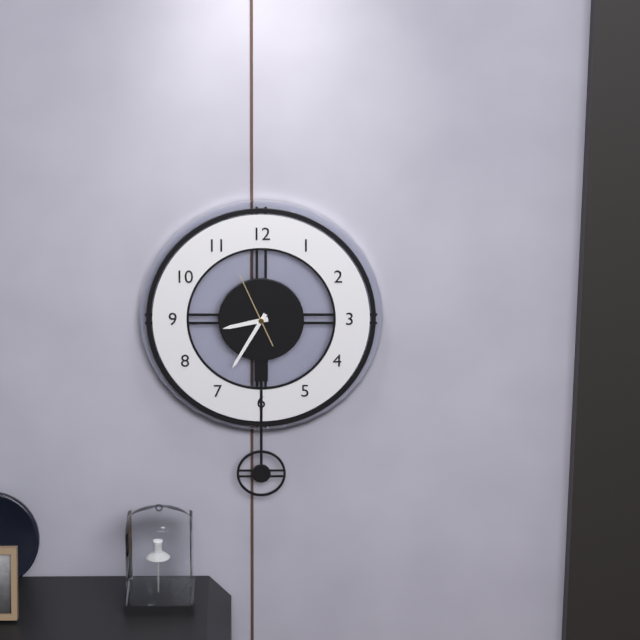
8.35.56
